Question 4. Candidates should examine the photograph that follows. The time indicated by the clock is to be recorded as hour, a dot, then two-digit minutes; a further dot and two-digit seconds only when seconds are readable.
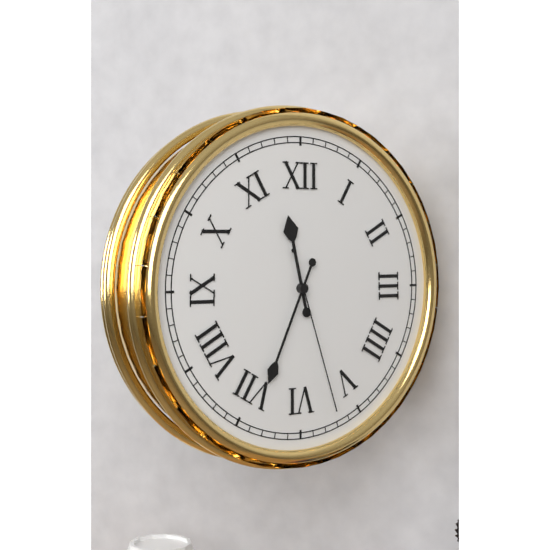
11.34.27
